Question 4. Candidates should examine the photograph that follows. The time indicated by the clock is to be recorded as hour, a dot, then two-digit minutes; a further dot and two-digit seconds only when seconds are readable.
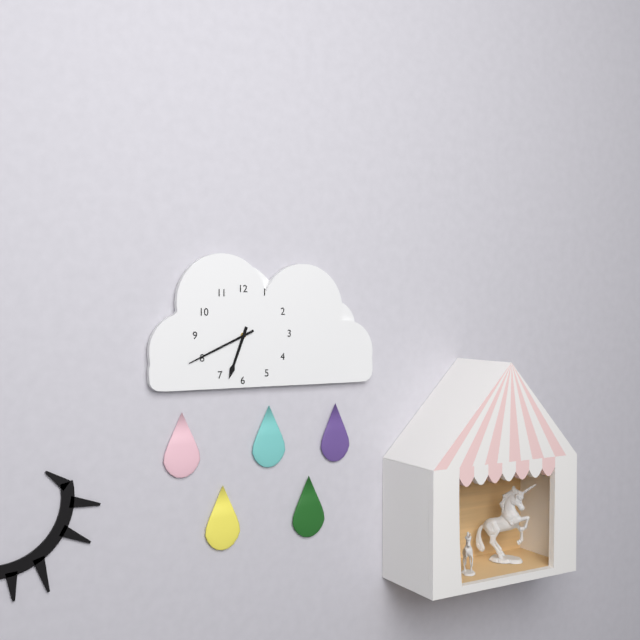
6.41
